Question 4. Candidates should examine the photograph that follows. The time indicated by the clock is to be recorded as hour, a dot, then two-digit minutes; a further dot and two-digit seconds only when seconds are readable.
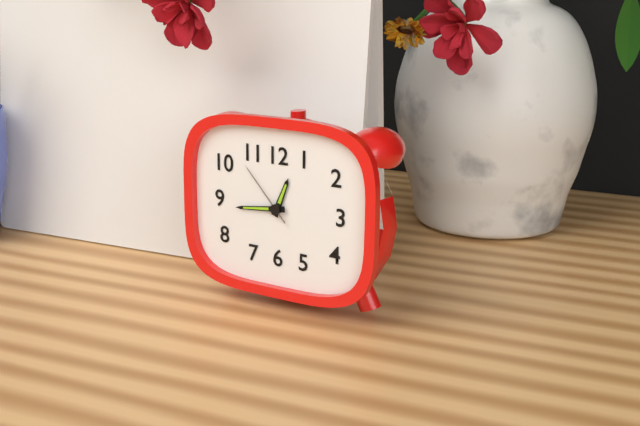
12.44.53
